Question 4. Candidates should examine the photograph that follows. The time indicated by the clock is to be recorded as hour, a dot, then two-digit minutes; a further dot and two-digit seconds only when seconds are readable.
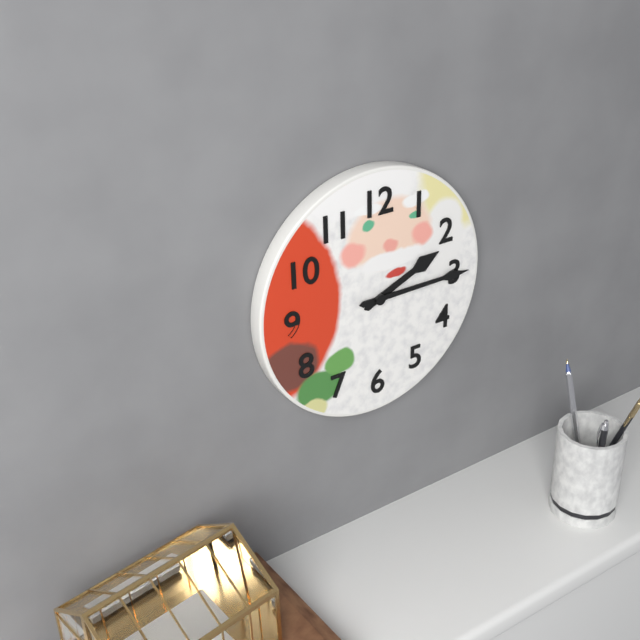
2.15
